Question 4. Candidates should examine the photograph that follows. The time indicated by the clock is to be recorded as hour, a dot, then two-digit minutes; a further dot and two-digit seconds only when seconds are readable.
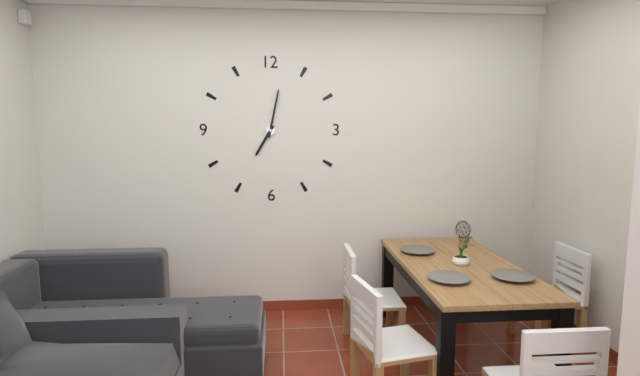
7.02
